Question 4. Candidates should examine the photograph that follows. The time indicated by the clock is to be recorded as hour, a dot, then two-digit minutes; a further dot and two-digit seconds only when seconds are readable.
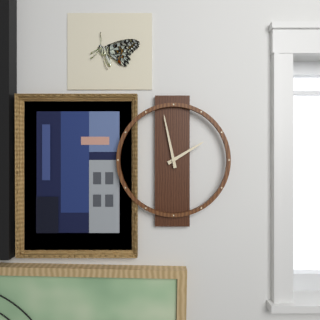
1.58
